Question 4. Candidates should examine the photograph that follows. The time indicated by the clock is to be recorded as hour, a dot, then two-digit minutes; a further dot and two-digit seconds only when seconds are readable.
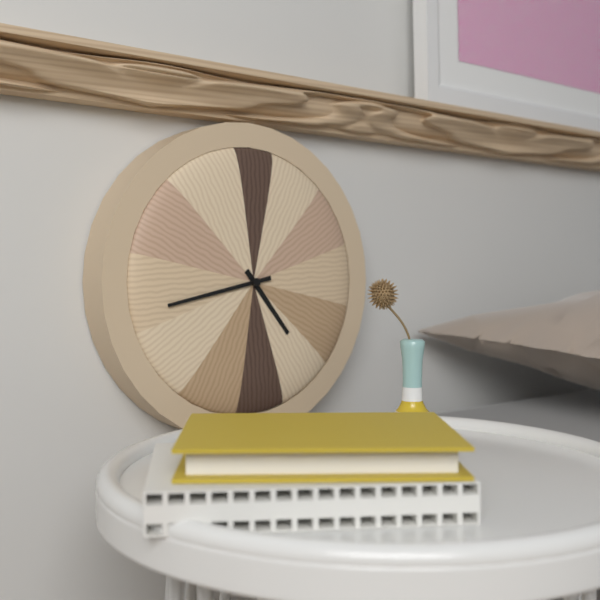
4.43
